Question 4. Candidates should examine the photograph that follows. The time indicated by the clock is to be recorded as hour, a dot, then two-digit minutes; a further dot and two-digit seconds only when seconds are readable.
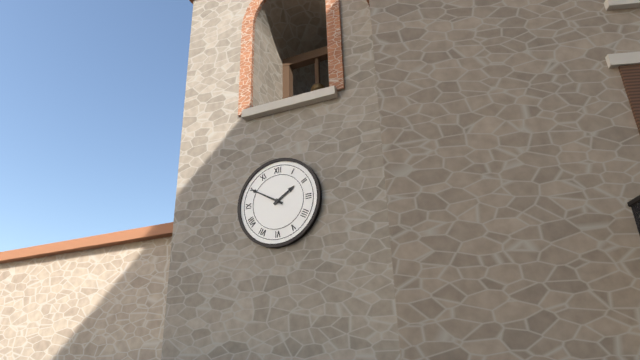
1.50
